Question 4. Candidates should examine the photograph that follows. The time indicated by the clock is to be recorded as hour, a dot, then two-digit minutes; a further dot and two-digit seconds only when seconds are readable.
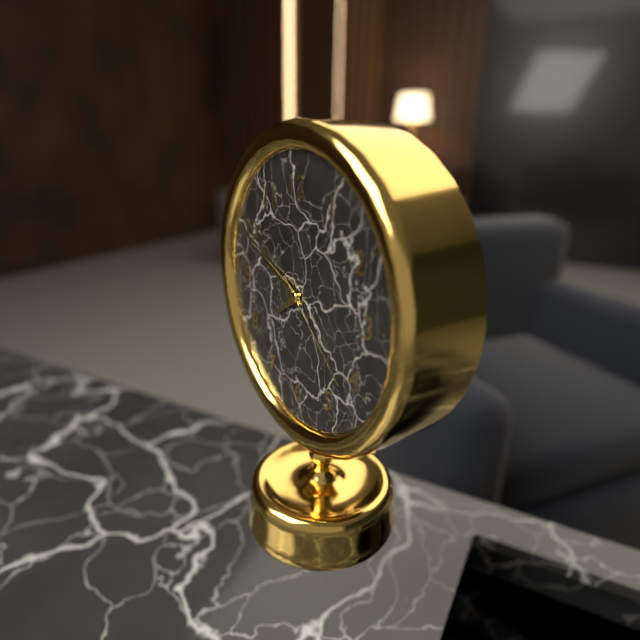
7.49.22
